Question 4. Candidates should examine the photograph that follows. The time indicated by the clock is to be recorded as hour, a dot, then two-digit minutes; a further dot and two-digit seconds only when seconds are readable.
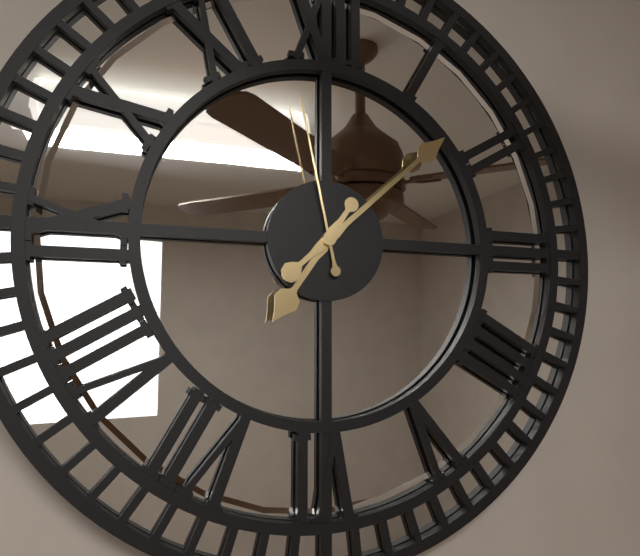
7.08.58
